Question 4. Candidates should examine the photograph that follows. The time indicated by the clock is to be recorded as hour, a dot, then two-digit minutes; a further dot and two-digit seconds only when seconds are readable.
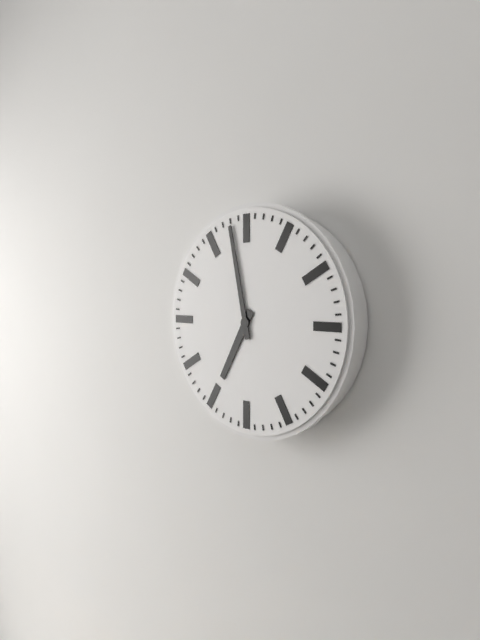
6.58
